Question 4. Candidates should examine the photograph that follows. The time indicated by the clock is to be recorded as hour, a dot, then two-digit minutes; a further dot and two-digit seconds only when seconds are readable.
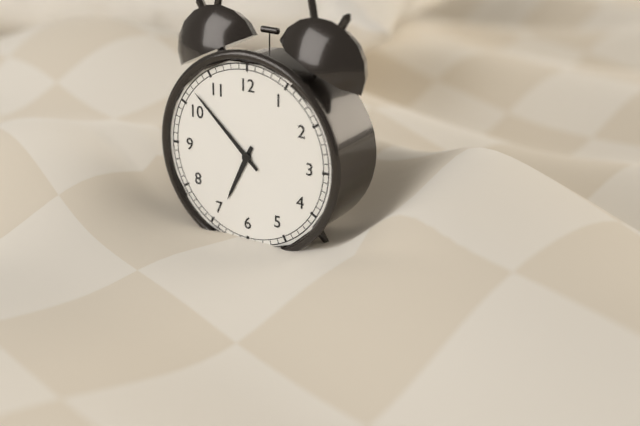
6.52
